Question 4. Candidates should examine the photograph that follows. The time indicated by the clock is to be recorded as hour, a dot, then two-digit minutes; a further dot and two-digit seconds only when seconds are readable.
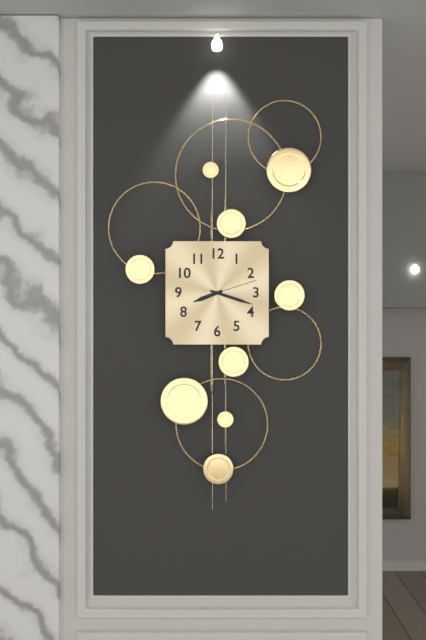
8.18.12
